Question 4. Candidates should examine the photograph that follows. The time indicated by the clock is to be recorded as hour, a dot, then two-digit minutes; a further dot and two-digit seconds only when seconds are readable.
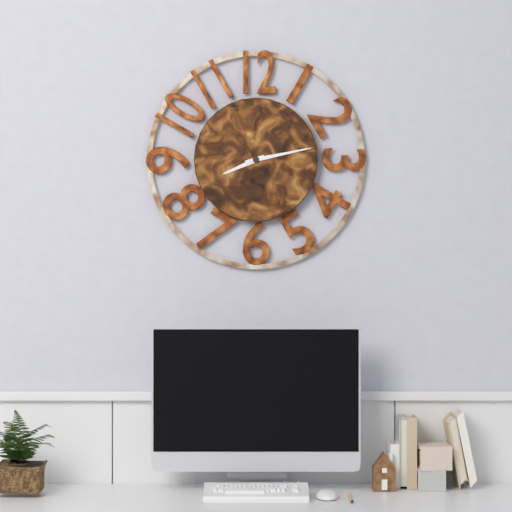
8.13
